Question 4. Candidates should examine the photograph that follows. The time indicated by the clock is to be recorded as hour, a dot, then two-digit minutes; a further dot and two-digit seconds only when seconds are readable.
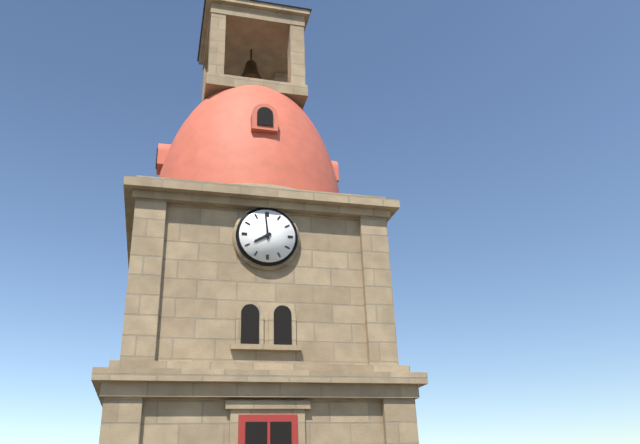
7.59
